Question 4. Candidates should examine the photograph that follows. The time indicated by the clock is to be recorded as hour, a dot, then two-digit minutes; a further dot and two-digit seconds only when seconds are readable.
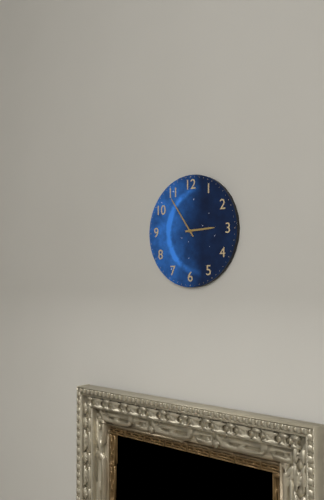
2.54
